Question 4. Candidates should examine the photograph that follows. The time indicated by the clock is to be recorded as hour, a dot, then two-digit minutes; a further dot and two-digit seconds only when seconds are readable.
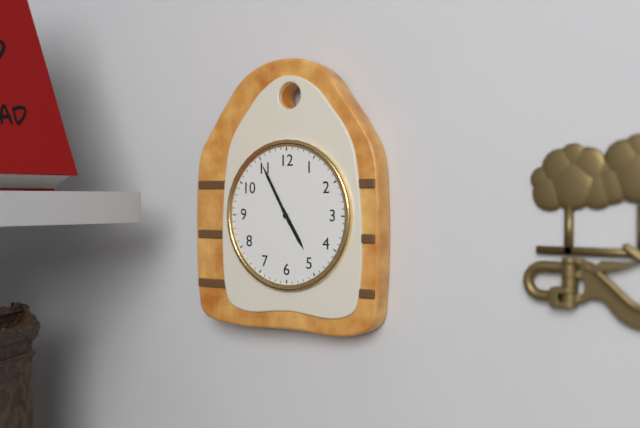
4.55
